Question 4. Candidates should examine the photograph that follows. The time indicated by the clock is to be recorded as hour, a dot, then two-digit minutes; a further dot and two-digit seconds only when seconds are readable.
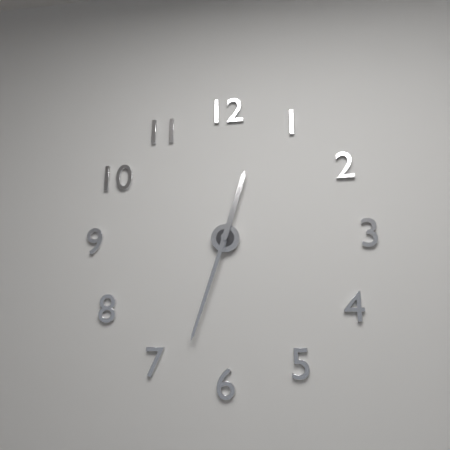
12.33
